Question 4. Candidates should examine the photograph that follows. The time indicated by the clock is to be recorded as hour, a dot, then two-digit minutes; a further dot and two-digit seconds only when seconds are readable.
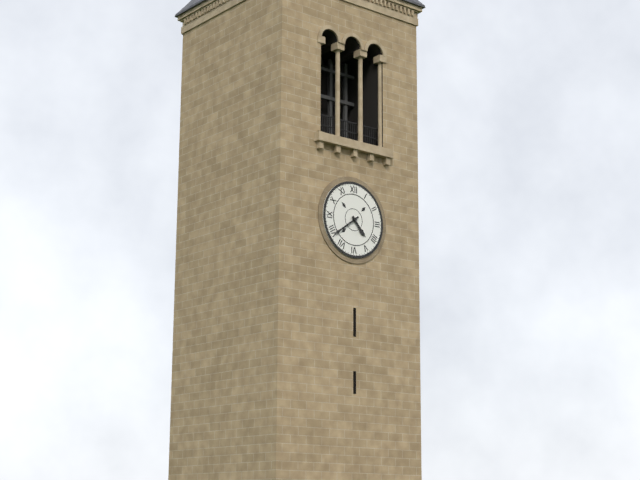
4.39
